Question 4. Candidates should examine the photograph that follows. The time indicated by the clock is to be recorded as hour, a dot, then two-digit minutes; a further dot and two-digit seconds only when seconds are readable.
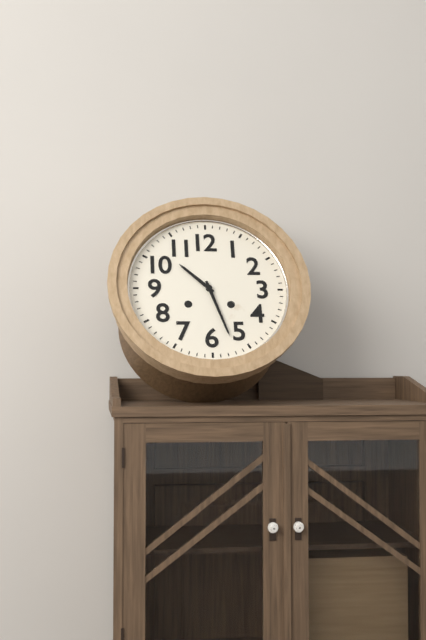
10.27
